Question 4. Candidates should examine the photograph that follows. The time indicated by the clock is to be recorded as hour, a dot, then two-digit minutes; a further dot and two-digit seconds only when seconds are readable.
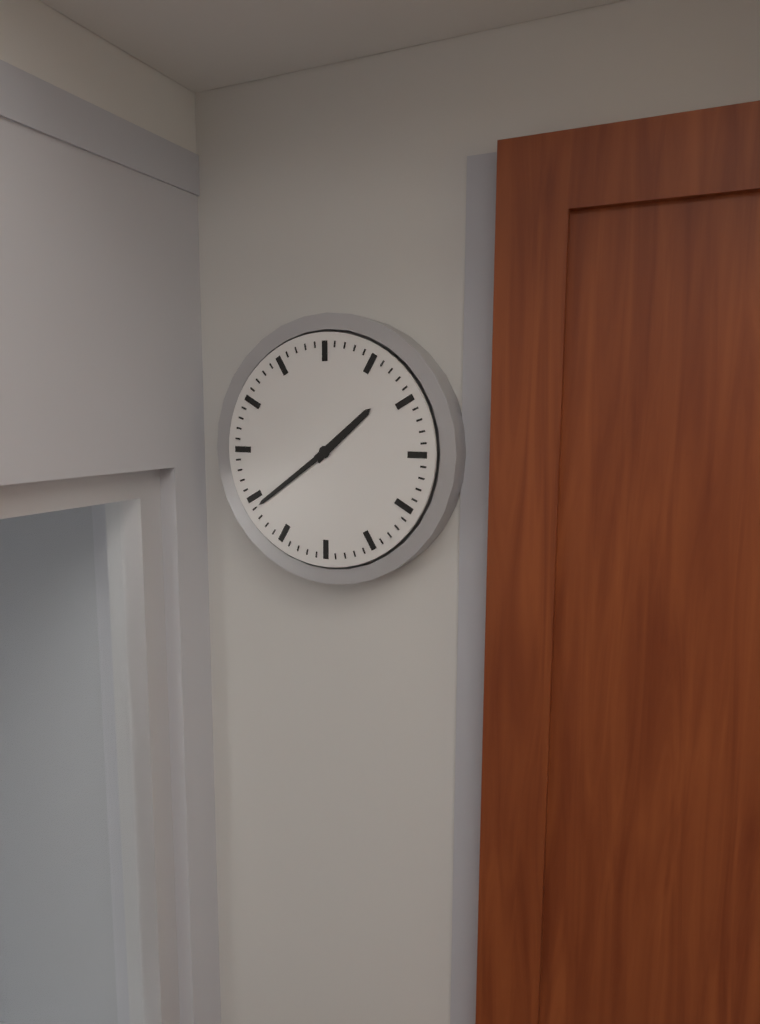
1.39
